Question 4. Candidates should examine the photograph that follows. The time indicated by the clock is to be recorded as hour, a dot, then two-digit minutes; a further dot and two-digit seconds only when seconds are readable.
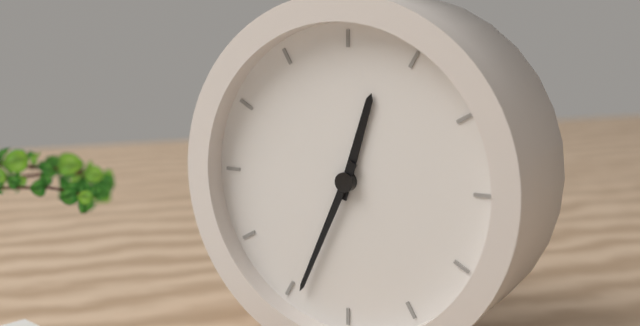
12.34
